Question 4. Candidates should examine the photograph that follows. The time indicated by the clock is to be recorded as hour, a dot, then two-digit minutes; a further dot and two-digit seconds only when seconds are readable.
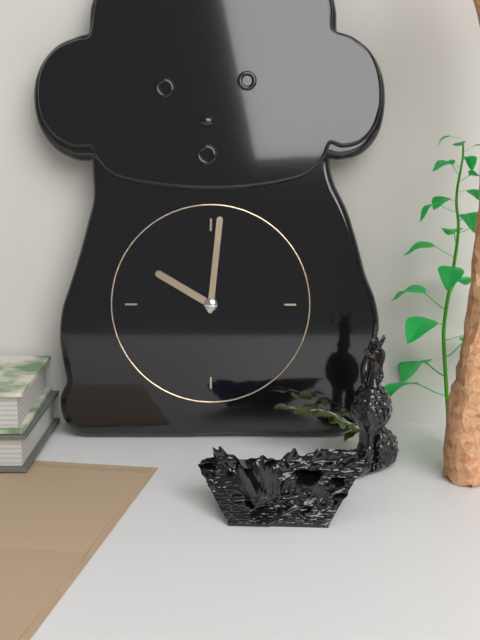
10.01
